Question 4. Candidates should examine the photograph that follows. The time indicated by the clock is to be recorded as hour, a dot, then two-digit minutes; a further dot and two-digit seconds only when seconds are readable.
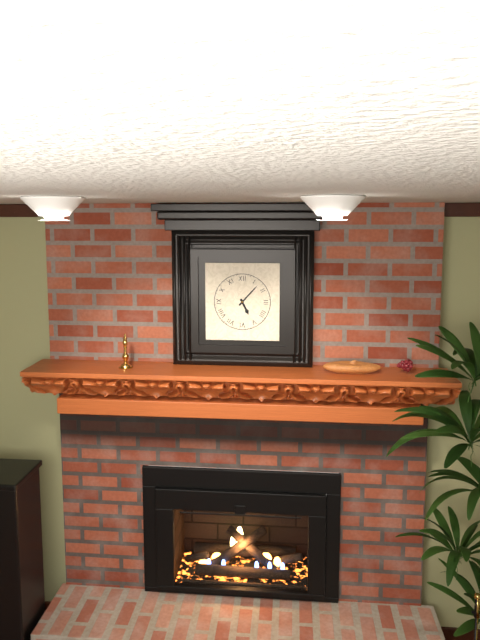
5.07
